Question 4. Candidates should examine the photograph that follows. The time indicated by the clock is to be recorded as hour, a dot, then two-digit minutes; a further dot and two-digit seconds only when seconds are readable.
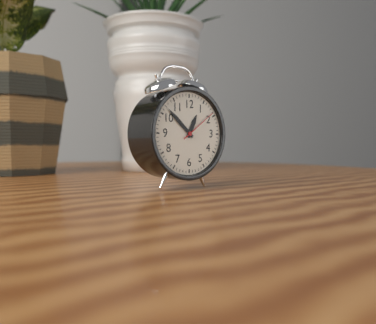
12.52.09
